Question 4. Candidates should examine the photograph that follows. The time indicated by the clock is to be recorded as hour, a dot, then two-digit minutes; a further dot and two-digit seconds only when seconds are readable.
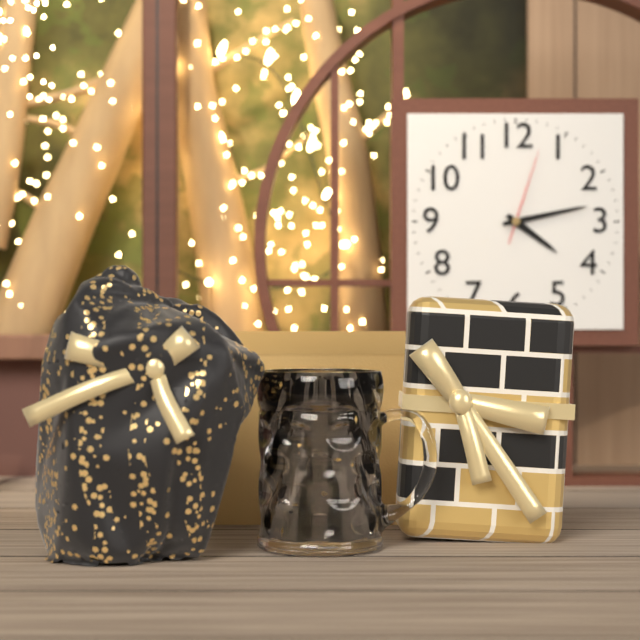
4.13.03
